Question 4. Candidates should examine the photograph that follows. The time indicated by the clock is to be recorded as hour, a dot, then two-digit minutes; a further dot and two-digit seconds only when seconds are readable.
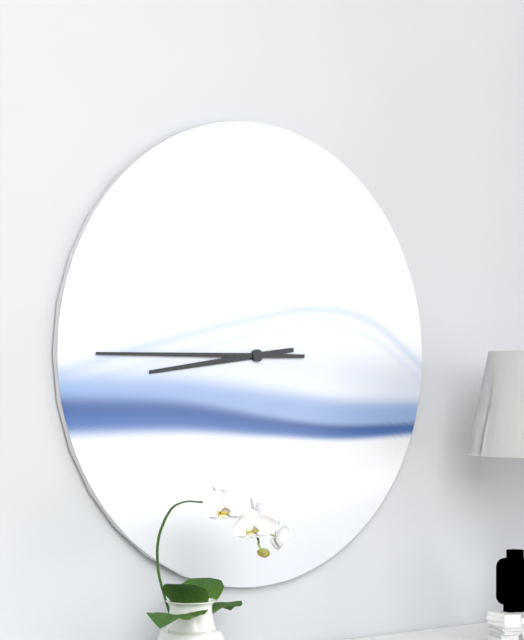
8.45
